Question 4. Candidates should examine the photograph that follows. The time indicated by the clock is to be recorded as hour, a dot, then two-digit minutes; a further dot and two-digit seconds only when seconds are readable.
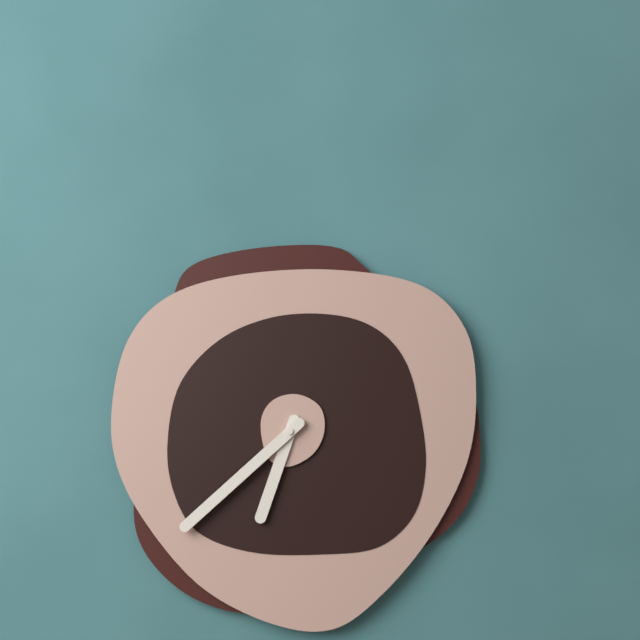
6.38
